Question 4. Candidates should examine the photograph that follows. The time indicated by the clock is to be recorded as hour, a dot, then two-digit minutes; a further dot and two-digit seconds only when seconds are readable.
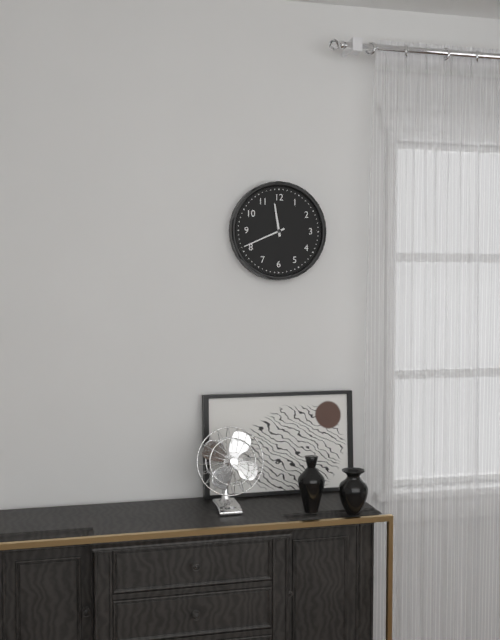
11.41
